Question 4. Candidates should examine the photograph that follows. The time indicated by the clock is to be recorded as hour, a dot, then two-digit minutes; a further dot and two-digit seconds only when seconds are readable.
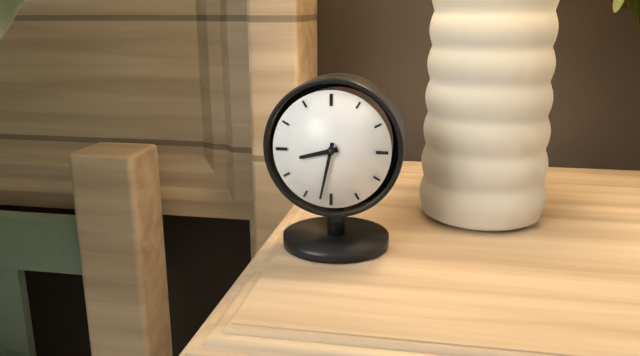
8.32
